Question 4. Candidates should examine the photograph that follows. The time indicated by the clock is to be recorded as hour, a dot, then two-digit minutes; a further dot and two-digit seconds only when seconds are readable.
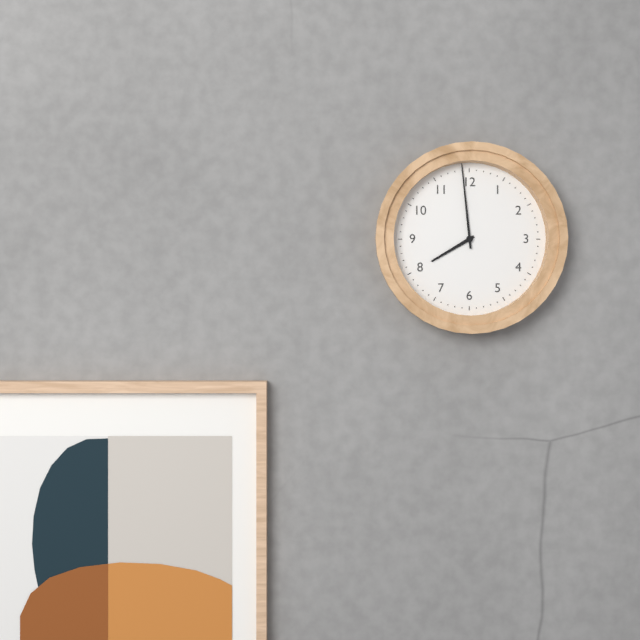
7.59
